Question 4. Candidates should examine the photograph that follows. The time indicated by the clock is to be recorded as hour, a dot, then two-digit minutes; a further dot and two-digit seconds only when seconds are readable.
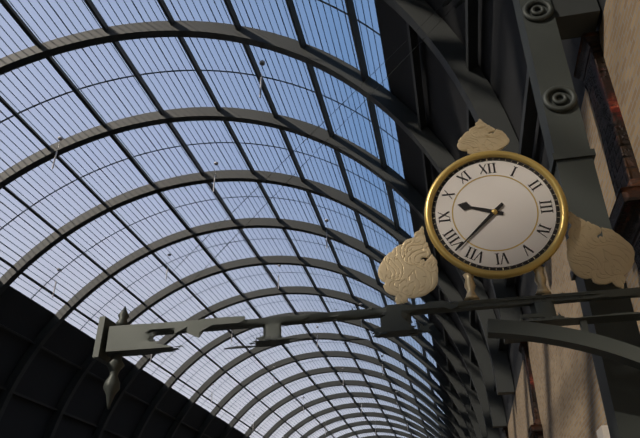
9.38
